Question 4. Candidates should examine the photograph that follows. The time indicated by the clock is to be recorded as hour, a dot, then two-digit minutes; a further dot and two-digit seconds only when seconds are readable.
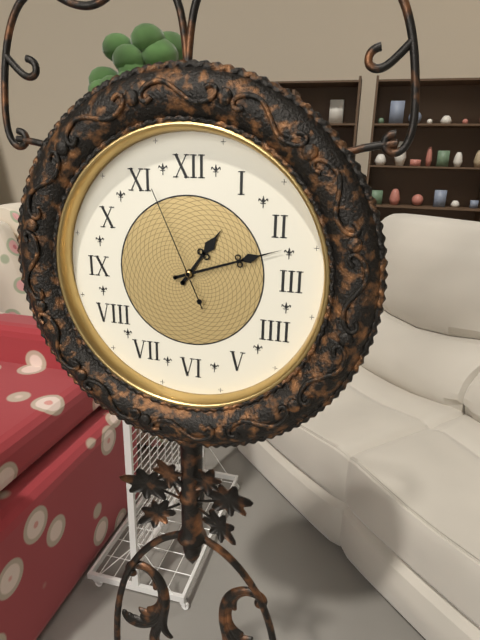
1.12.56
